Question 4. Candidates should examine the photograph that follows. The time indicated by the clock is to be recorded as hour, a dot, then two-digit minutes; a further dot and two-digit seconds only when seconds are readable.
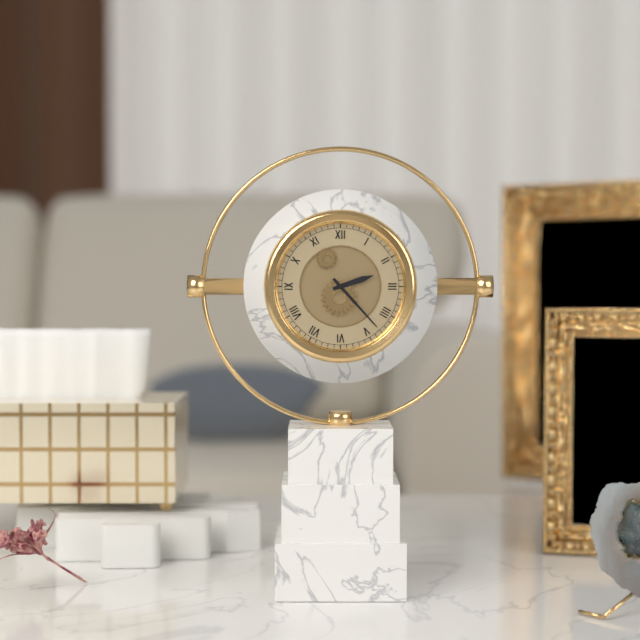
2.23
